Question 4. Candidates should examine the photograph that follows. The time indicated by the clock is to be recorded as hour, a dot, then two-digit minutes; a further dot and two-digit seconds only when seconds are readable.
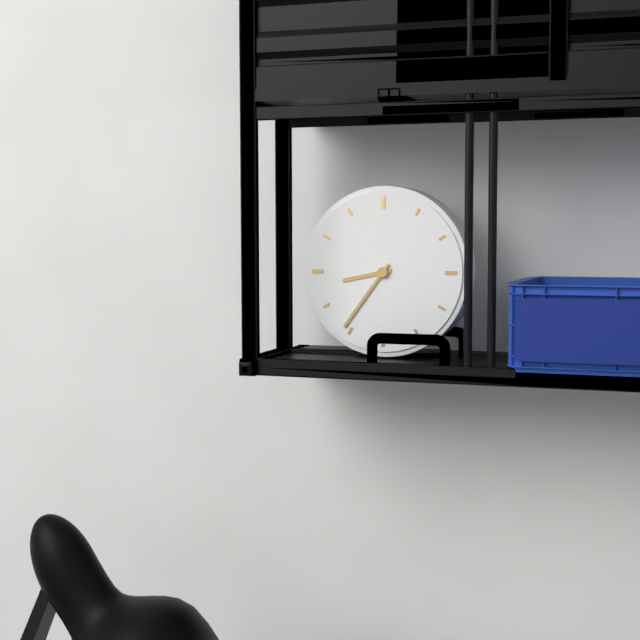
8.36
